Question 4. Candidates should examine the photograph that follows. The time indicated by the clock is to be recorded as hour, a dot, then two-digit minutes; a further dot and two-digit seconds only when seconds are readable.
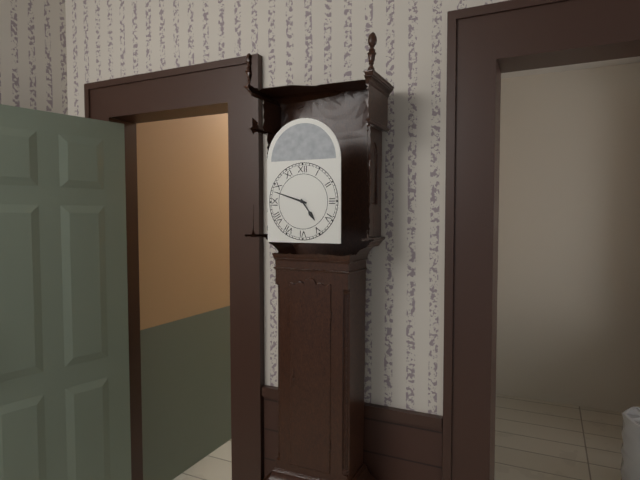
4.48
